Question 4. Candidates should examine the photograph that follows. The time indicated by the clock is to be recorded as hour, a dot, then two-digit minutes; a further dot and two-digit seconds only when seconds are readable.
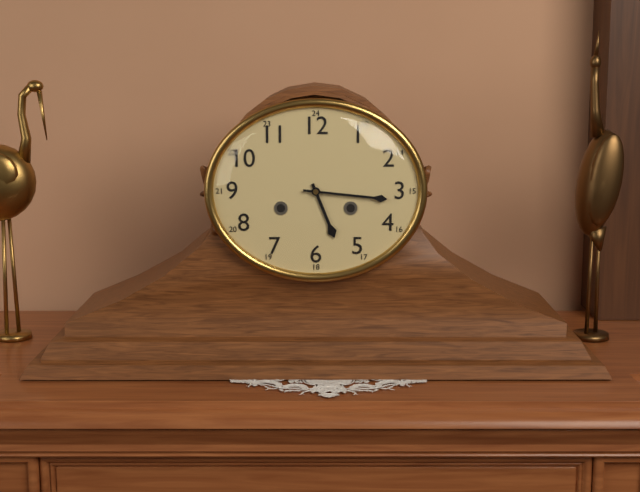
5.16
